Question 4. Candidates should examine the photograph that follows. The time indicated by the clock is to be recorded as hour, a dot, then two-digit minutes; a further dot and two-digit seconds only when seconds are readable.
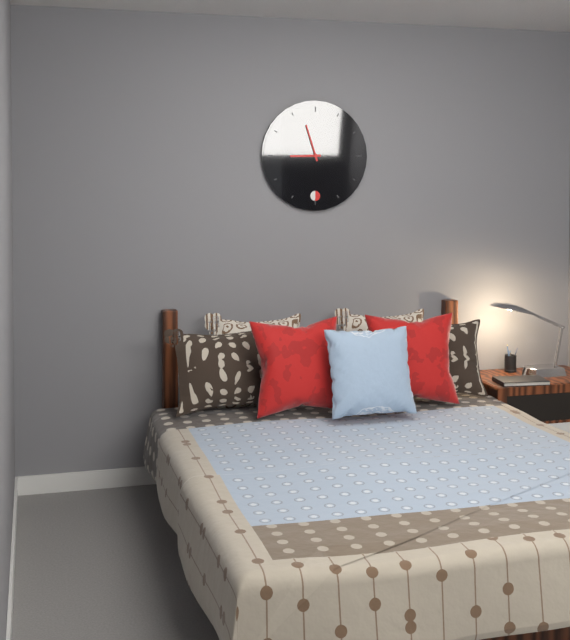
8.57
